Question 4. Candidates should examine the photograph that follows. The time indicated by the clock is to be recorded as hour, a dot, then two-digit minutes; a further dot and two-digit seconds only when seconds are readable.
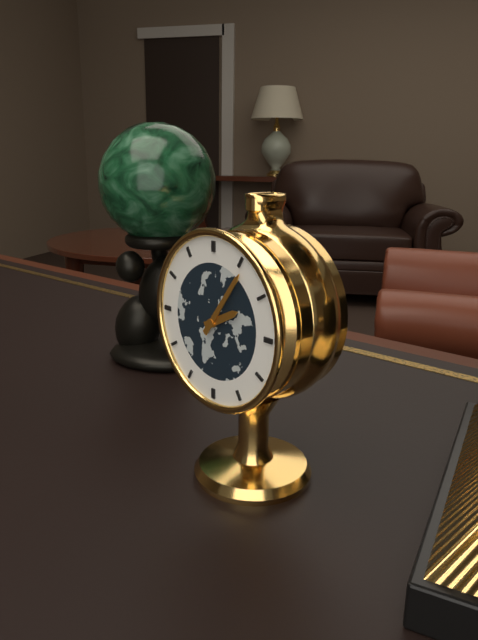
2.06
